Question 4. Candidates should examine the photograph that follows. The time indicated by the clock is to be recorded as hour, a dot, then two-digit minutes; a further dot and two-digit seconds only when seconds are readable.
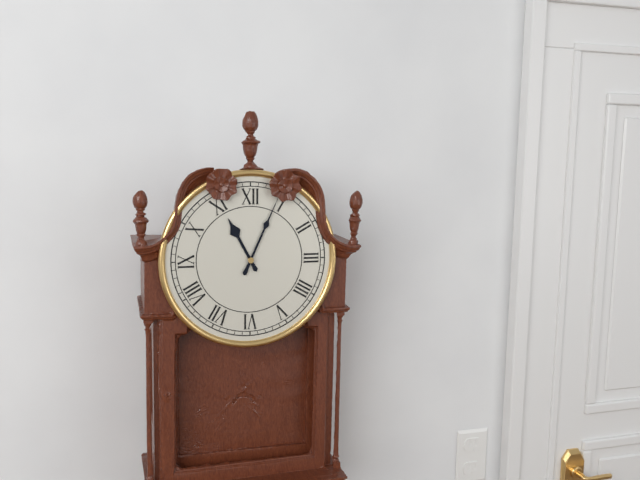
11.04
